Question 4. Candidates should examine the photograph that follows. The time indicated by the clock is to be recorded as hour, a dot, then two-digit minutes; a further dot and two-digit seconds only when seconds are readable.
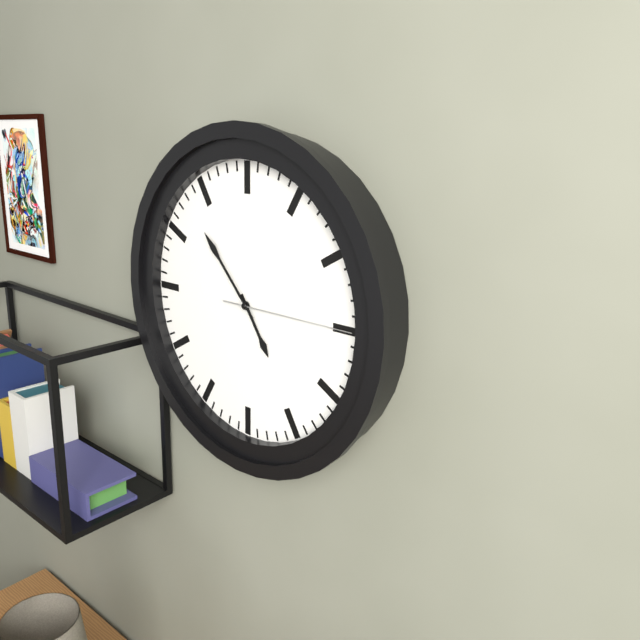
4.53.15
